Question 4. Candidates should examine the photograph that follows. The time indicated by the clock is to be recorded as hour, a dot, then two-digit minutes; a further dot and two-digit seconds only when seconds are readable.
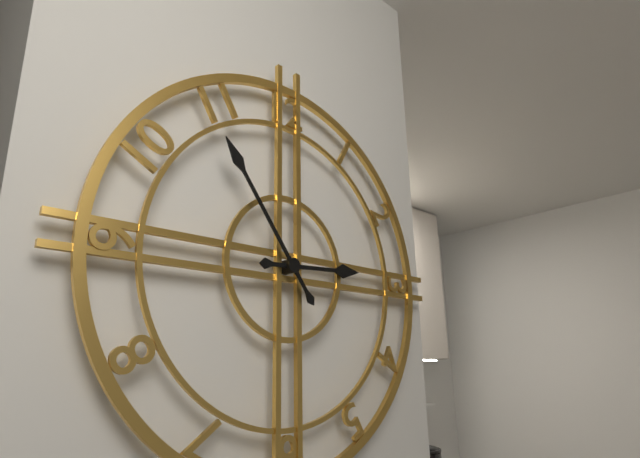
2.54
